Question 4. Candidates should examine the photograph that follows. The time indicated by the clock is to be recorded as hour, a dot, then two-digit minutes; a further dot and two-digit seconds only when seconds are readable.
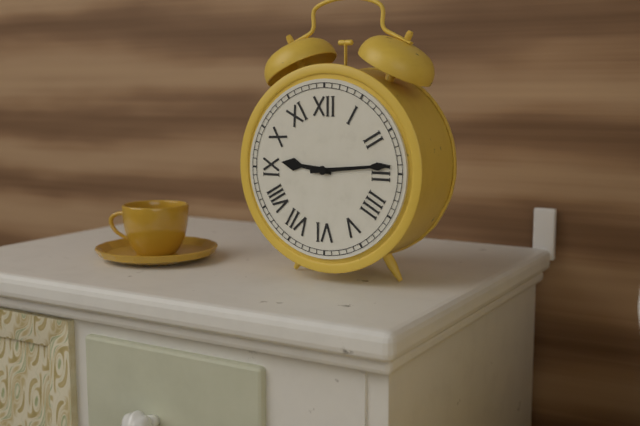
9.14
